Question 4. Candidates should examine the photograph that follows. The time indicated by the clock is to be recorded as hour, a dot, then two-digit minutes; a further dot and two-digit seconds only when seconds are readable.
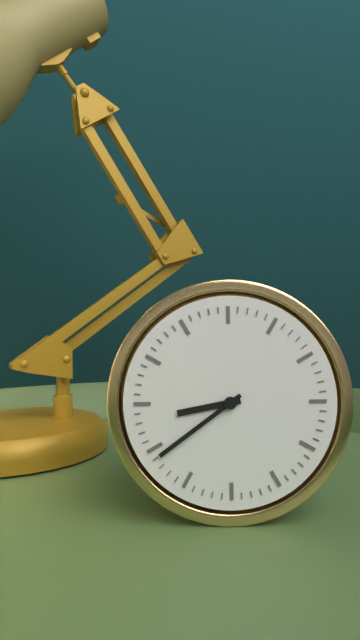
8.39
